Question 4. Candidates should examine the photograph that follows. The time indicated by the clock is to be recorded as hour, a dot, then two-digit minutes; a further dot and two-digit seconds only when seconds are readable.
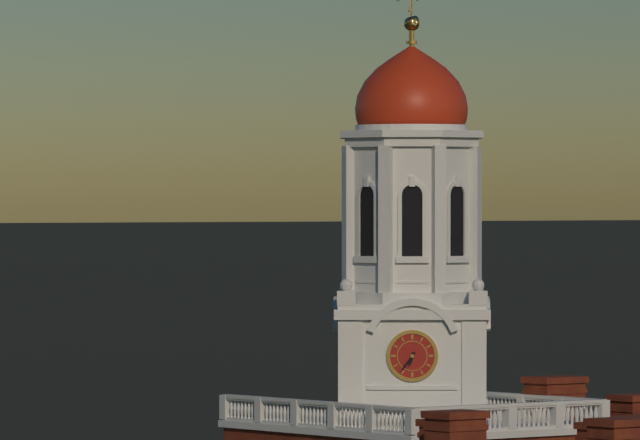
6.36
